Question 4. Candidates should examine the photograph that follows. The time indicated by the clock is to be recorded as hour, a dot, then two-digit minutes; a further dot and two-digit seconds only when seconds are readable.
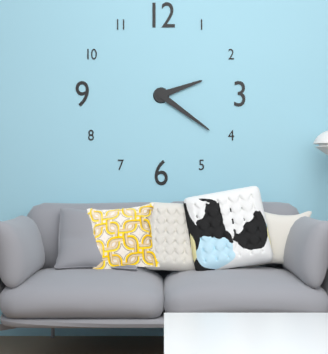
2.21
